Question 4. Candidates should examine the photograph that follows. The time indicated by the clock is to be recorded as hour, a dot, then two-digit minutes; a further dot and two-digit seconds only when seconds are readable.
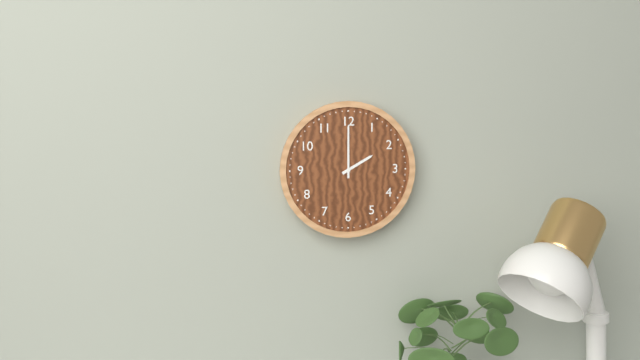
2.00
